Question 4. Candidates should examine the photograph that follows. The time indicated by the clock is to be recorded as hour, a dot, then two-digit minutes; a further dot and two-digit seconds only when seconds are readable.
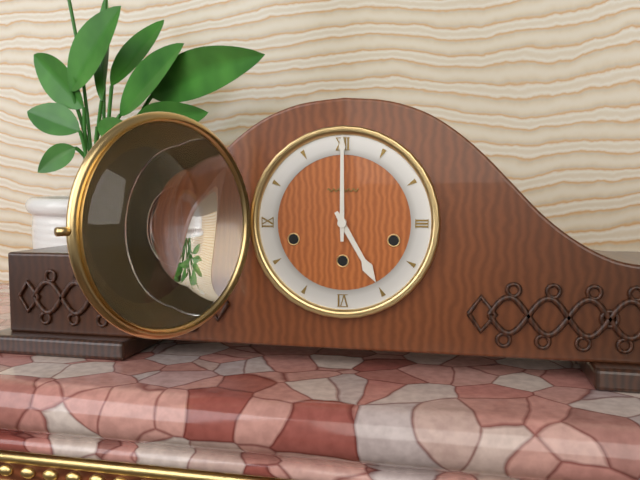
5.00
